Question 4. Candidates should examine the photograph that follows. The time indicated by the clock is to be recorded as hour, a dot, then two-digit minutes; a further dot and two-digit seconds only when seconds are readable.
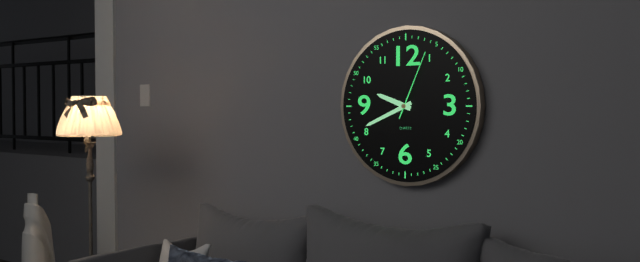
9.41.04
